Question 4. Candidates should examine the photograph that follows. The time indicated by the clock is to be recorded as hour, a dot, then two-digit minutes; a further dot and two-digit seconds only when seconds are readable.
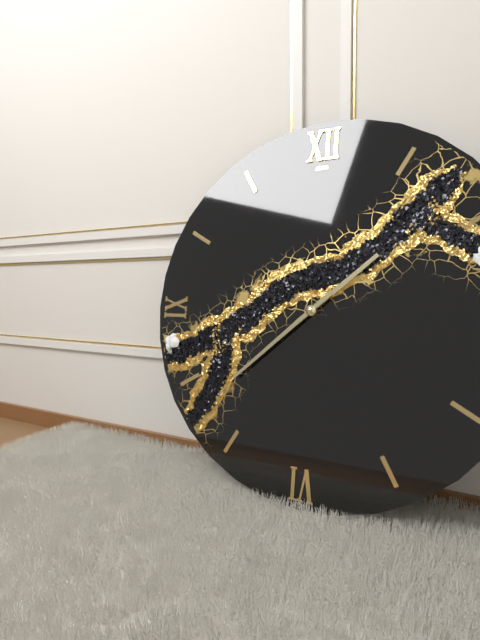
1.38
